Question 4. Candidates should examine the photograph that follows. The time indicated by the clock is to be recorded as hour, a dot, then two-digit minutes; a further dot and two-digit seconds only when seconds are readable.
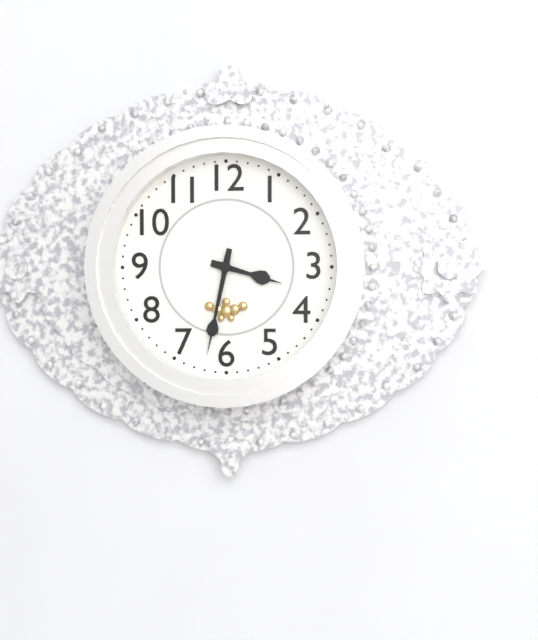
3.32
